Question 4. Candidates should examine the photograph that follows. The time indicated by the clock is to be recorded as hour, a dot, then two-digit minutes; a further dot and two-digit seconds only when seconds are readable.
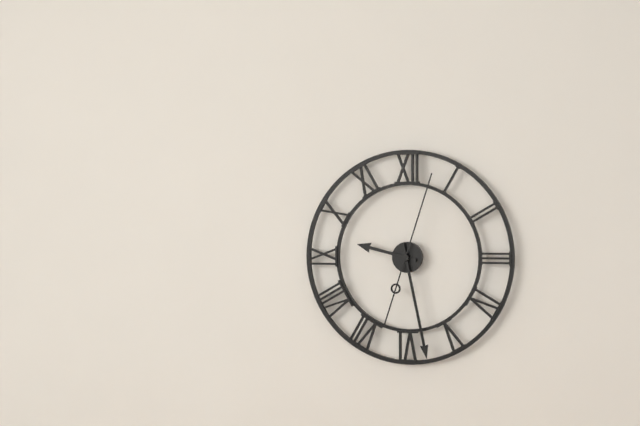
9.28.03
